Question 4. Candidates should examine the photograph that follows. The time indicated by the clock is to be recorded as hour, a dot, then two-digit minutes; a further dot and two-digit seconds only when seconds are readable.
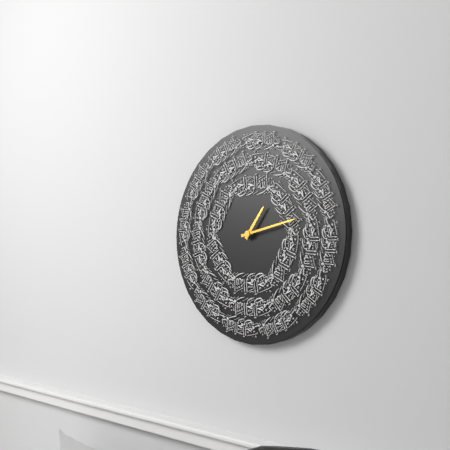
1.13
